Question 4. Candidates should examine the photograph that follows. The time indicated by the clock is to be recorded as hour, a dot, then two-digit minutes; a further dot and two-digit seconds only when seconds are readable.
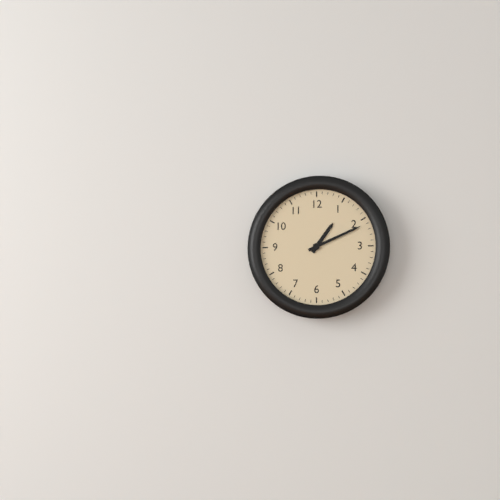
1.11
